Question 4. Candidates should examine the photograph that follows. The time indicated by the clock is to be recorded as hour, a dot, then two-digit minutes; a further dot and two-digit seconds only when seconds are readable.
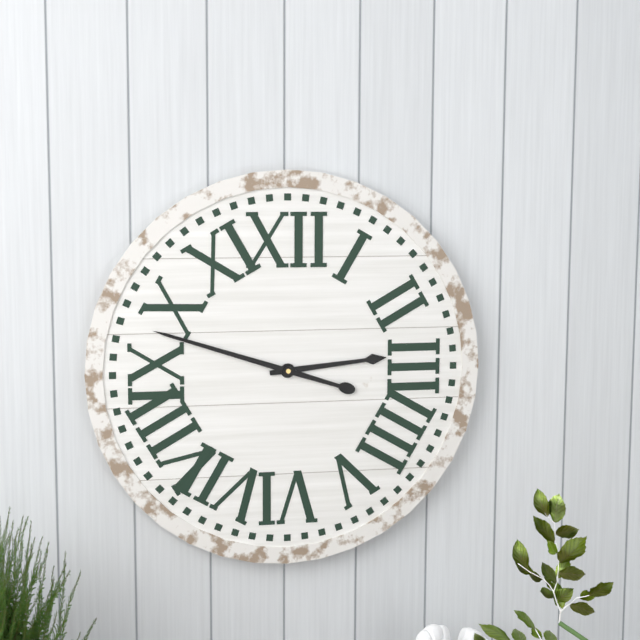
2.48
